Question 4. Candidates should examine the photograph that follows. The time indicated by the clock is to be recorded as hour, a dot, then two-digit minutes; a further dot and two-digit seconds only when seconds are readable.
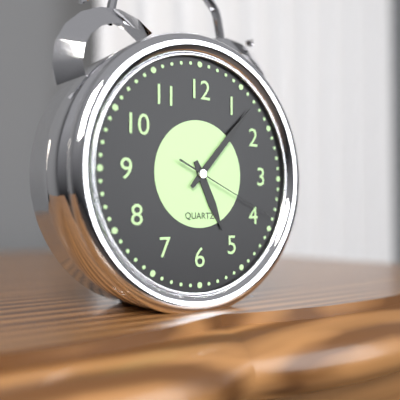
5.07.19
